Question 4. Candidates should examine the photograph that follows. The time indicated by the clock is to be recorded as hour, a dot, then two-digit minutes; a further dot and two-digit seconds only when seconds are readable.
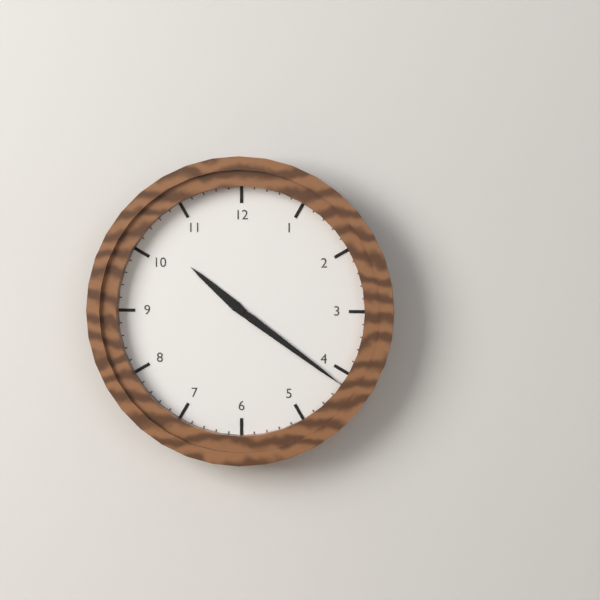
10.21
